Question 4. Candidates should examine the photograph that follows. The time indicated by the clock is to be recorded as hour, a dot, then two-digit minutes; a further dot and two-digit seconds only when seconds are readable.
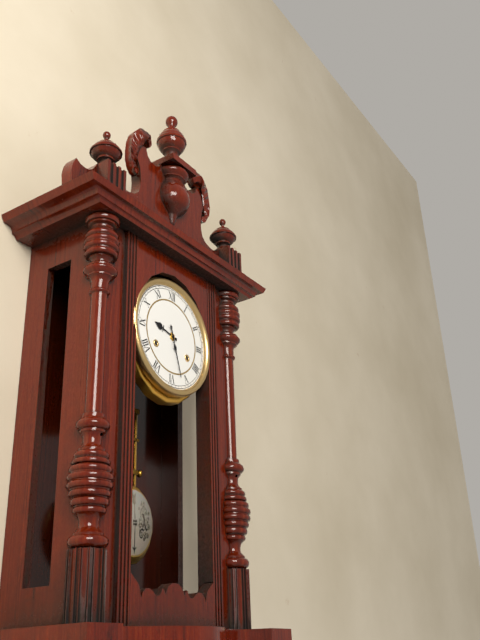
9.27
